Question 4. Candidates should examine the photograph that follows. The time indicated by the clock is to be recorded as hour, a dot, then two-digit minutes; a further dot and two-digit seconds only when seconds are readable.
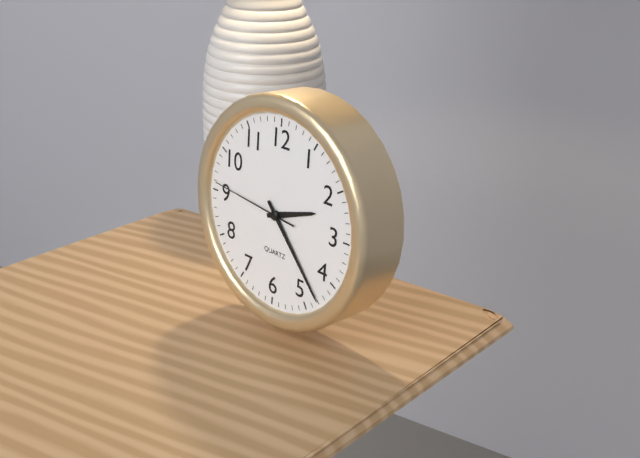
2.23.46
